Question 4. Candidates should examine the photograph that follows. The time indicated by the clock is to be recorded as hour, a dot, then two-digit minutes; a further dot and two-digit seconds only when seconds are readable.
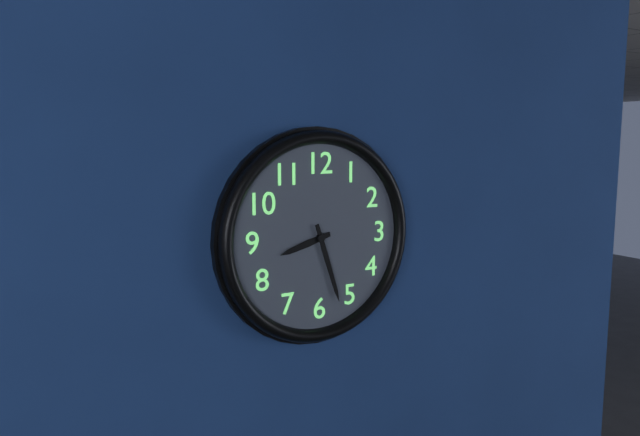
8.27
